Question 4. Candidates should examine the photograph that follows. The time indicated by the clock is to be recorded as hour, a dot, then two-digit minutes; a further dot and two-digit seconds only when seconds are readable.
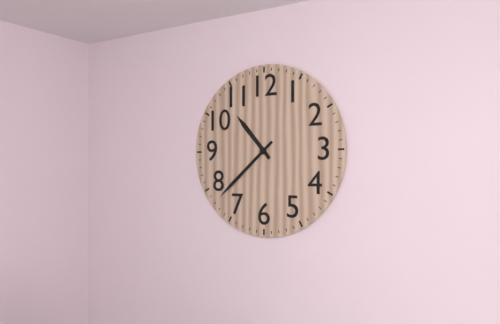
10.38
